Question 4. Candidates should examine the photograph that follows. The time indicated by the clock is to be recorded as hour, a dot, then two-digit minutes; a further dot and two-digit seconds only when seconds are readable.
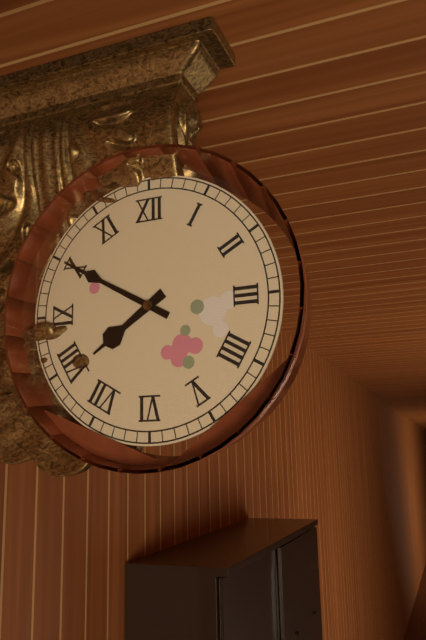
7.50
